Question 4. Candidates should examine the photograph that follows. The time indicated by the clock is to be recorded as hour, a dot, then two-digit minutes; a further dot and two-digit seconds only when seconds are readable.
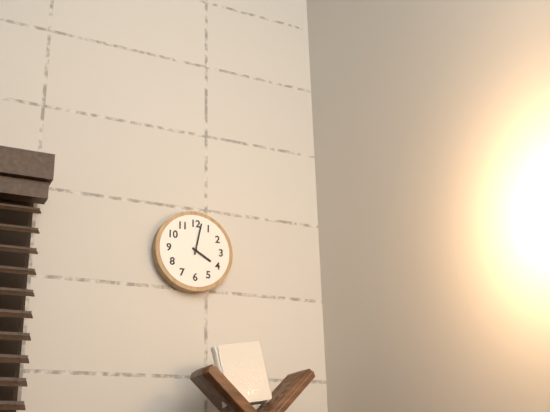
4.02
